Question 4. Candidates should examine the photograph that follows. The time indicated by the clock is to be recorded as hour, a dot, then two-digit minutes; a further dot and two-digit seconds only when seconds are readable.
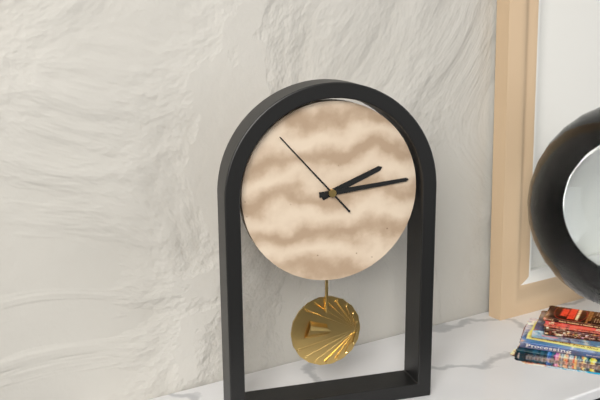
2.14.53
